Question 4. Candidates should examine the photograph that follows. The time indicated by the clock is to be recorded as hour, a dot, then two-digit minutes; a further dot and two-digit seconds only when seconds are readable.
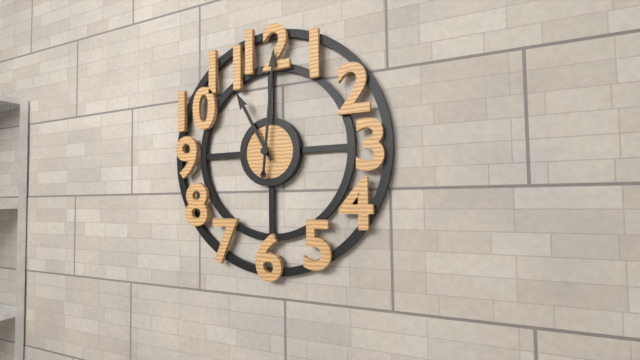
11.01
